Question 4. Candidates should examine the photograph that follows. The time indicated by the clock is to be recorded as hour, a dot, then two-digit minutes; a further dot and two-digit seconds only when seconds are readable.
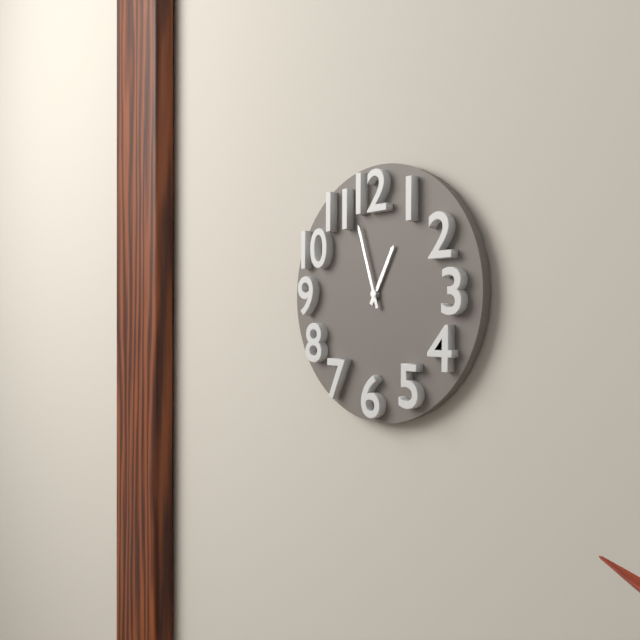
12.57
